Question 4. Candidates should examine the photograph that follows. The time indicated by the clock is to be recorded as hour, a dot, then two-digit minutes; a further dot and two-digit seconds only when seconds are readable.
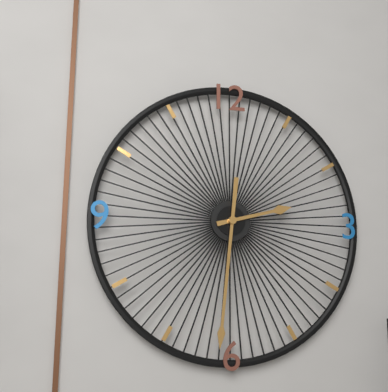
2.31
